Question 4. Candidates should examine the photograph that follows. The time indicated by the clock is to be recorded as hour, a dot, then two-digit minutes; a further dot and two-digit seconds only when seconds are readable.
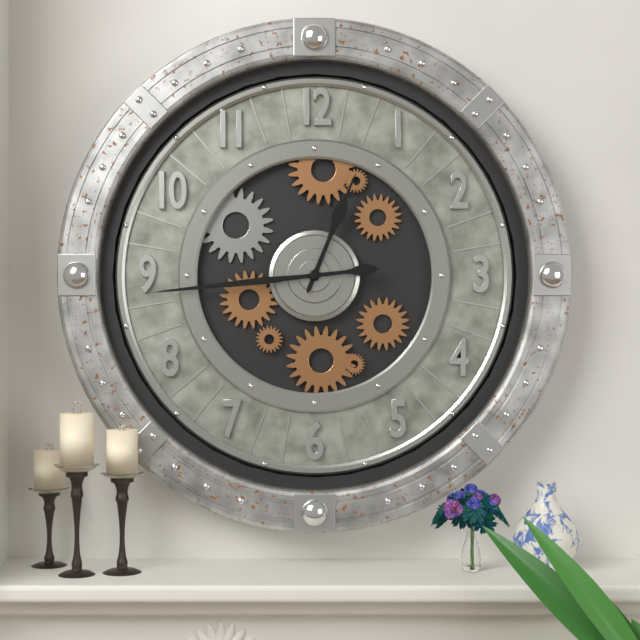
12.44
